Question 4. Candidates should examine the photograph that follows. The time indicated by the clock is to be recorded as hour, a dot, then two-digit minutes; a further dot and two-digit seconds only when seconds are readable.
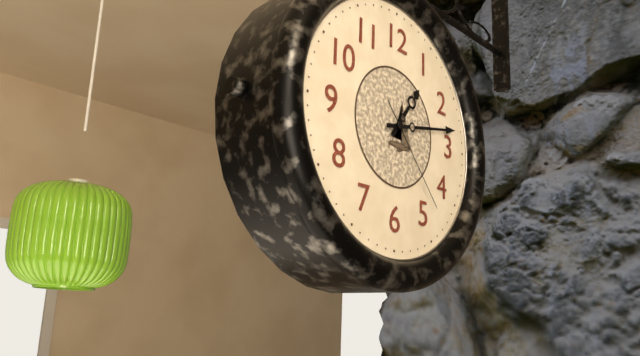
1.13.23
